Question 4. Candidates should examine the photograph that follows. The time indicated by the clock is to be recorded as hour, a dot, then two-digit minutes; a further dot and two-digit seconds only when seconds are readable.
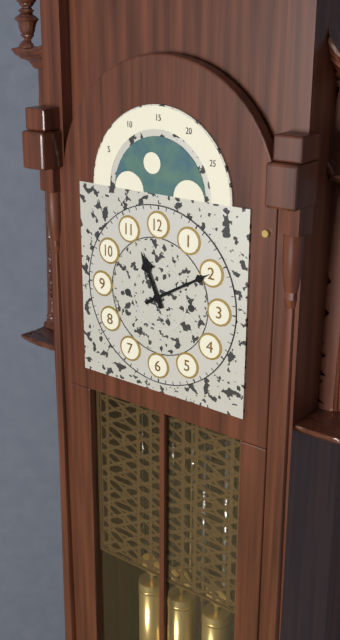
11.10
